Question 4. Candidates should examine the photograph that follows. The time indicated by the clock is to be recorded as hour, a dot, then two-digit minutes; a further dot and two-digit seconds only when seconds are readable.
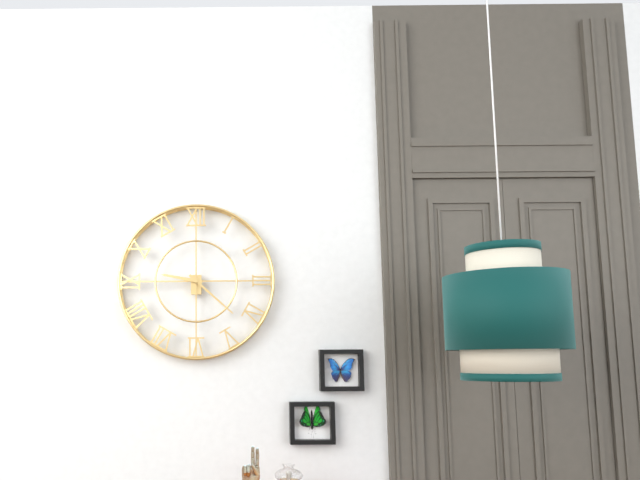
9.22
